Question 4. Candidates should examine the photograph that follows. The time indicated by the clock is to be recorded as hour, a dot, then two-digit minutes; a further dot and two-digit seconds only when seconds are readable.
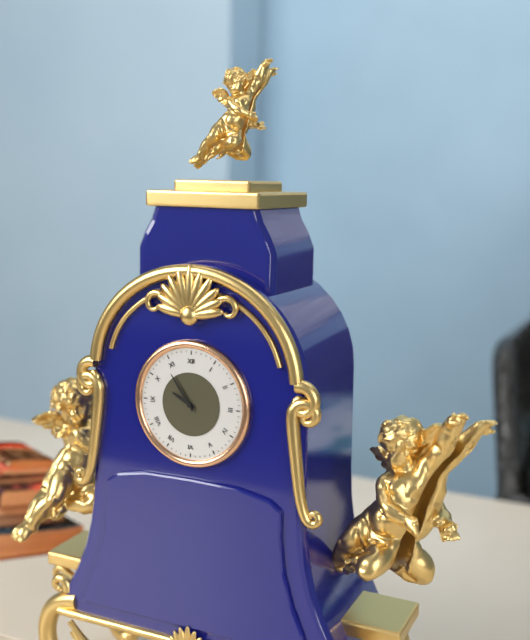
9.54
